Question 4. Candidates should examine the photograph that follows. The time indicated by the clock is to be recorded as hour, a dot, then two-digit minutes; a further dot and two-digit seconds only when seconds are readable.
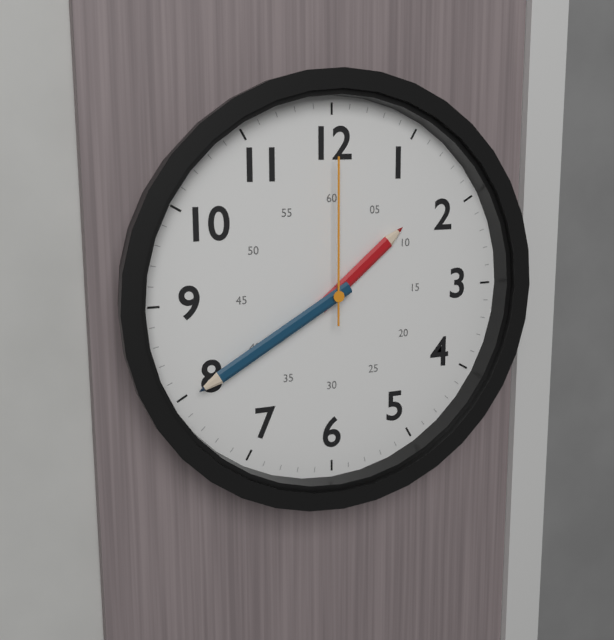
1.40.00
